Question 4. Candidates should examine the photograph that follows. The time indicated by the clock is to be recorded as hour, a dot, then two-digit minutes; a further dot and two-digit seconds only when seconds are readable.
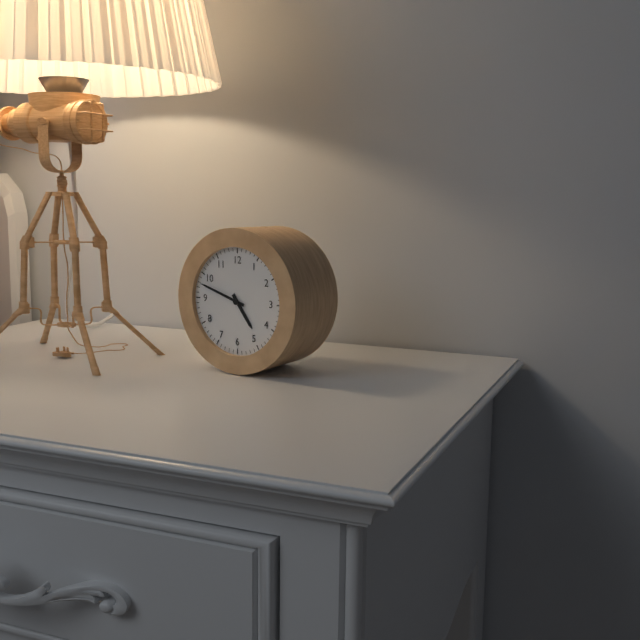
4.48
